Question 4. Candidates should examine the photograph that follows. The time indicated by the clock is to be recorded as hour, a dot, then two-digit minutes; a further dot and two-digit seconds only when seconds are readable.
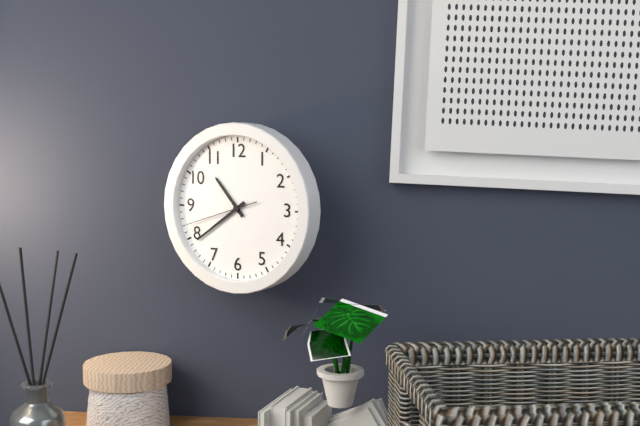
10.39.42
